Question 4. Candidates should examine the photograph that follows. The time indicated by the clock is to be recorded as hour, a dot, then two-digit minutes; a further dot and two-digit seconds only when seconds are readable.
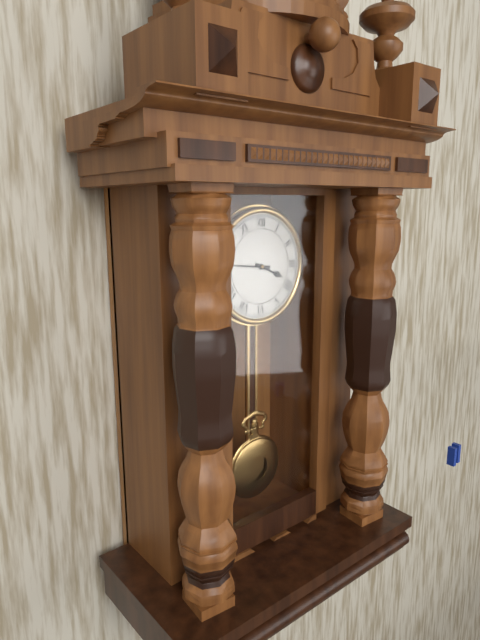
3.46
